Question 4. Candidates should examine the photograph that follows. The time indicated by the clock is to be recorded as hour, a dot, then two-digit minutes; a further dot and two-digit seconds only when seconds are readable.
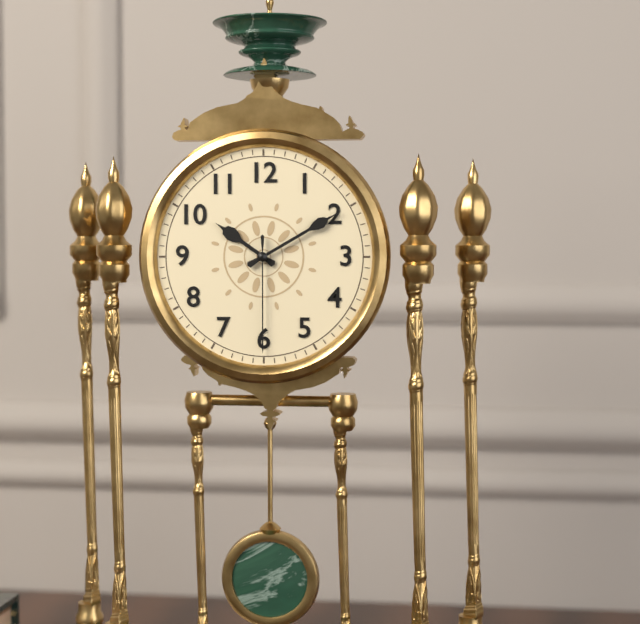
10.10.30
